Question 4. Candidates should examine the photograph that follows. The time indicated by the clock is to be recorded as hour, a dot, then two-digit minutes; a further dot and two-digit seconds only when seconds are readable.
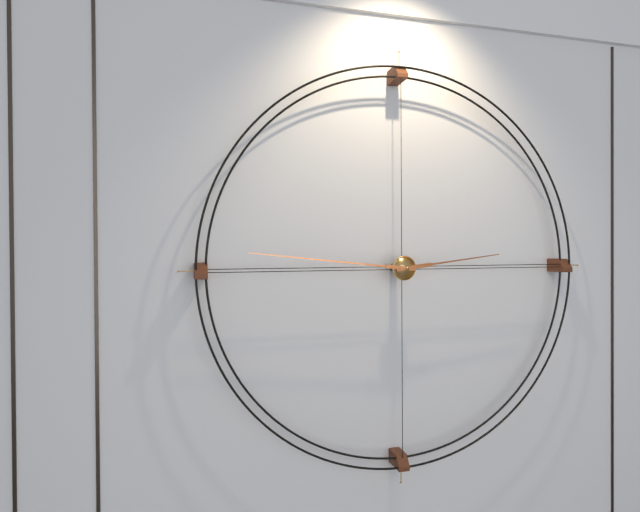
2.46
